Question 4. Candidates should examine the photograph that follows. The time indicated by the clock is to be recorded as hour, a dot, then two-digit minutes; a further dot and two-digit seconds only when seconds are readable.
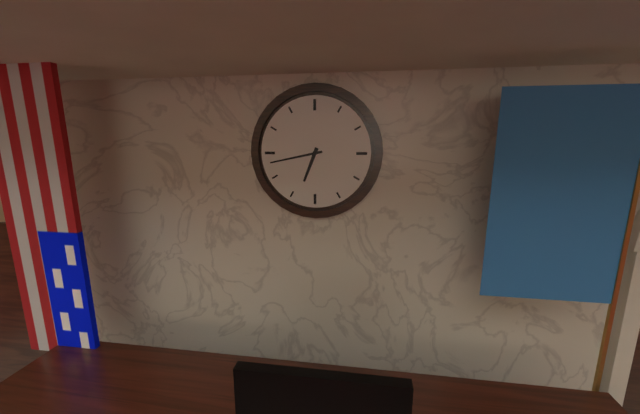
6.43
